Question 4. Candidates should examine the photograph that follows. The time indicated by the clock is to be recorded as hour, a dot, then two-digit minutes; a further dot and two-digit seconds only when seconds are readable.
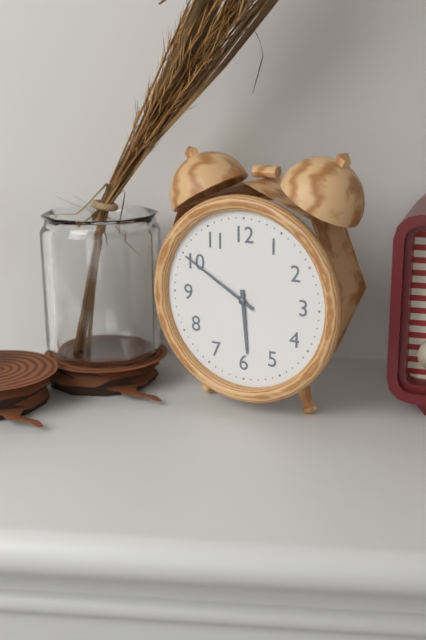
5.50
